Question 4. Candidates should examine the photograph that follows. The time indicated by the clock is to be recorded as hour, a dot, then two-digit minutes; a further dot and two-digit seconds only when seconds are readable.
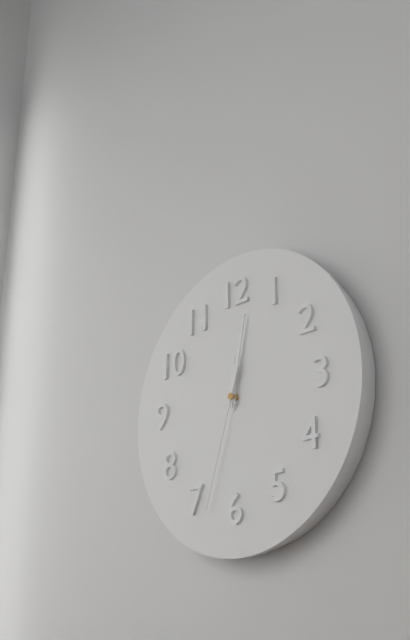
12.02.33
